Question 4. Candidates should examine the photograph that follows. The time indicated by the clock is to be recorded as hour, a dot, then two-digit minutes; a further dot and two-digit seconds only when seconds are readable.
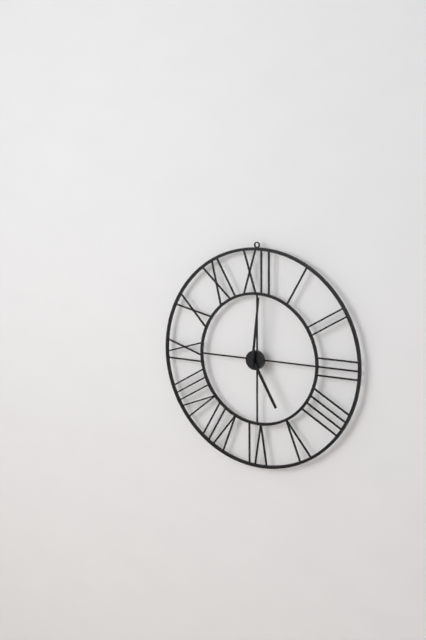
5.01
